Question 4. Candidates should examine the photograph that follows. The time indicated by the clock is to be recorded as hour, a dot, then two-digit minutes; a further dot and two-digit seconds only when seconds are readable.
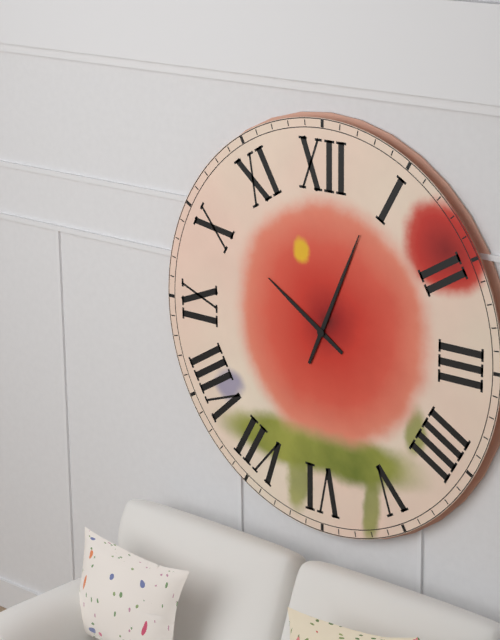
10.04
